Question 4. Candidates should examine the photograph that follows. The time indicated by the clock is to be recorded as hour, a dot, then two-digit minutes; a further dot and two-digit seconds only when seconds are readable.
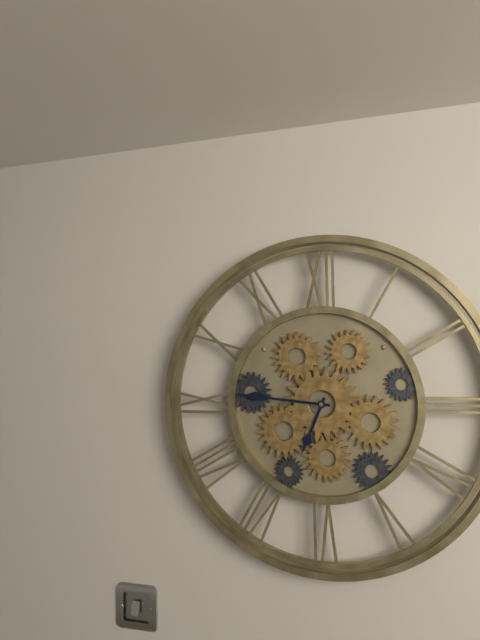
6.46
